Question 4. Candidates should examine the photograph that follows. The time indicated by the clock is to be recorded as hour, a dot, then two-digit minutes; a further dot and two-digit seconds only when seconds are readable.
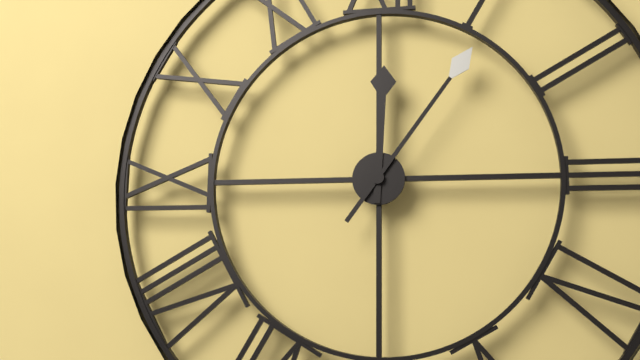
12.06
